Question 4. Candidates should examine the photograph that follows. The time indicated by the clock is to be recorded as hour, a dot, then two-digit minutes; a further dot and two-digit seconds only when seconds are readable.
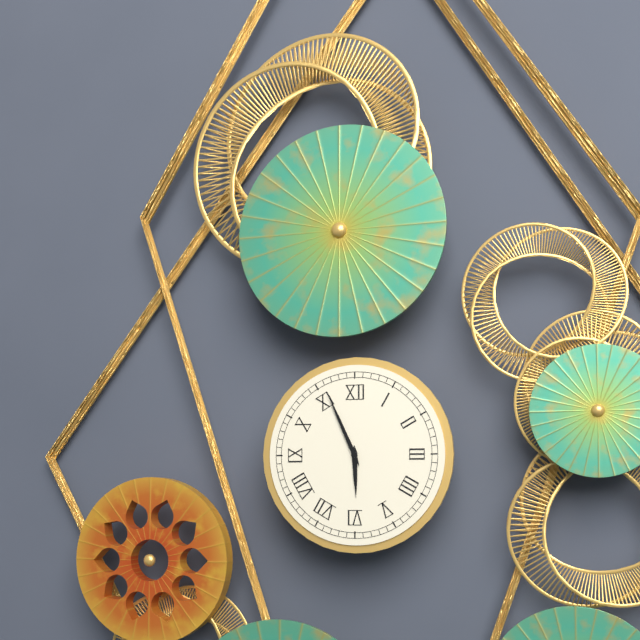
5.56
